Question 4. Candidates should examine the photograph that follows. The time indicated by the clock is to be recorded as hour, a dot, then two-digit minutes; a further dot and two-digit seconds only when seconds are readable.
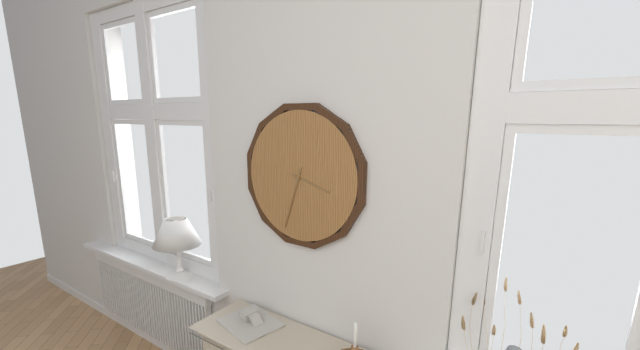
3.33
